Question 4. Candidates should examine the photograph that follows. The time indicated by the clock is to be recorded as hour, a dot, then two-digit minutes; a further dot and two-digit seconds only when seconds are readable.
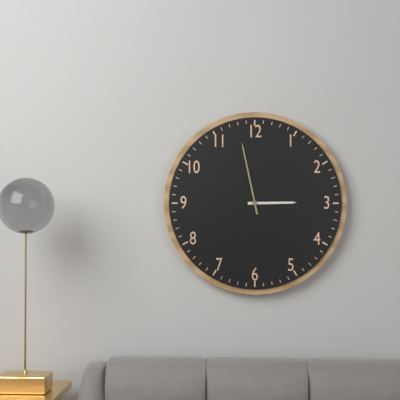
2.58
